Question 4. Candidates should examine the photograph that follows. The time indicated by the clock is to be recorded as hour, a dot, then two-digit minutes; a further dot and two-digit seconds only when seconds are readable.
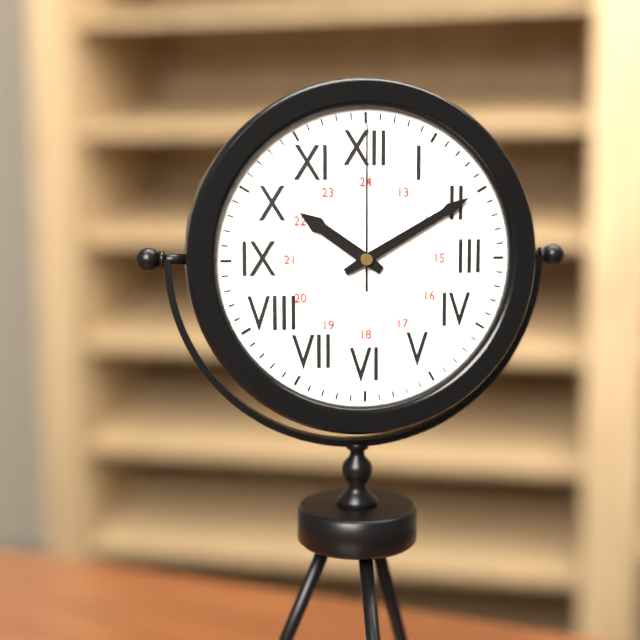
10.10.00
